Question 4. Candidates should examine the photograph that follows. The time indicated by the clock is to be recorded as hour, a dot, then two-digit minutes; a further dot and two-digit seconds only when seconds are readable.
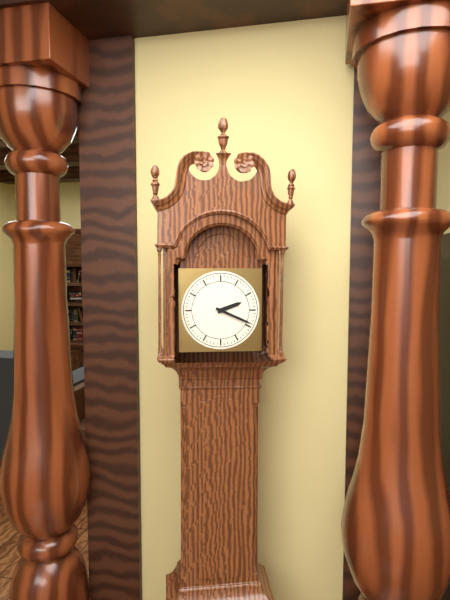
2.19
